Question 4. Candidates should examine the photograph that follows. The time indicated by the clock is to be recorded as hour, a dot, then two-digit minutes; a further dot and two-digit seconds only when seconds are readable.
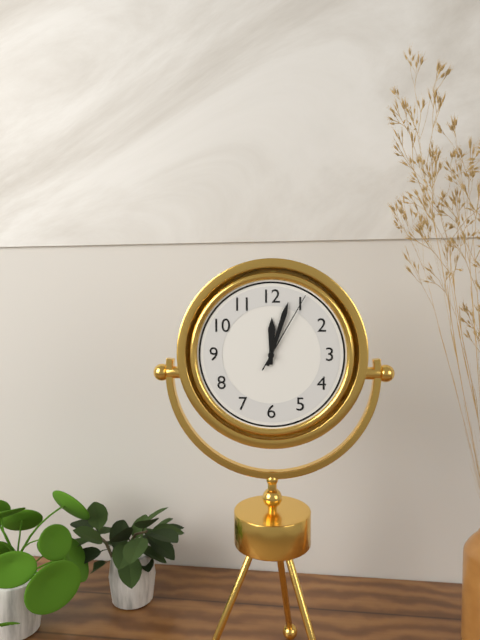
12.03.05
